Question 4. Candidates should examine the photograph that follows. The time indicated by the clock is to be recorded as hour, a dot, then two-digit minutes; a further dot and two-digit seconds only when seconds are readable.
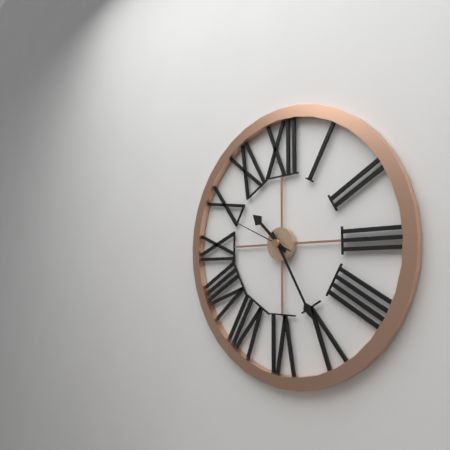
10.25.49
